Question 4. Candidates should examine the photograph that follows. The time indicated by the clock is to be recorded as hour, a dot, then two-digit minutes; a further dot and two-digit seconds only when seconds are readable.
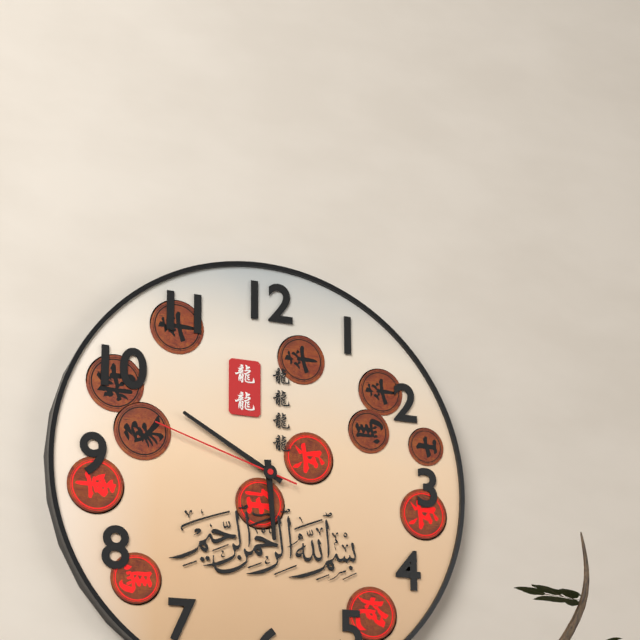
5.50.48
